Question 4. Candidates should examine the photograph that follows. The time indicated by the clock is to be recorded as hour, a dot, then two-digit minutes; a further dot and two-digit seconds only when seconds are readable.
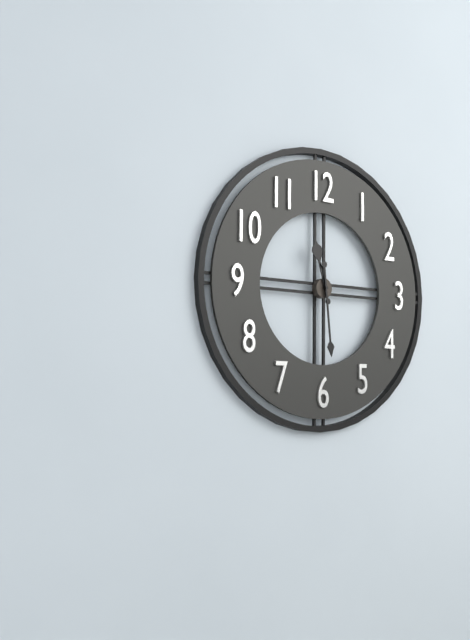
11.29
